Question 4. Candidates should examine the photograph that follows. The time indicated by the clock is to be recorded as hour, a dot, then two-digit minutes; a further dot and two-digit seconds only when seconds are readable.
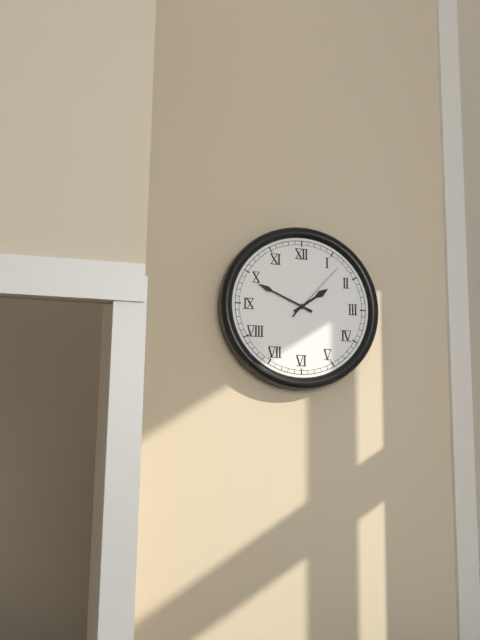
1.49.07
